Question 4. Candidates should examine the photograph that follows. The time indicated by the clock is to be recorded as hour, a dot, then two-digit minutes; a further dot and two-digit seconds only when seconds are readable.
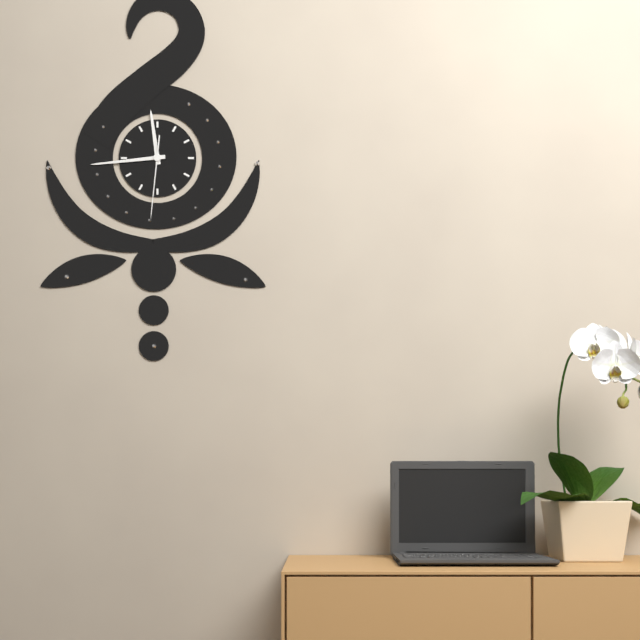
11.44.31
